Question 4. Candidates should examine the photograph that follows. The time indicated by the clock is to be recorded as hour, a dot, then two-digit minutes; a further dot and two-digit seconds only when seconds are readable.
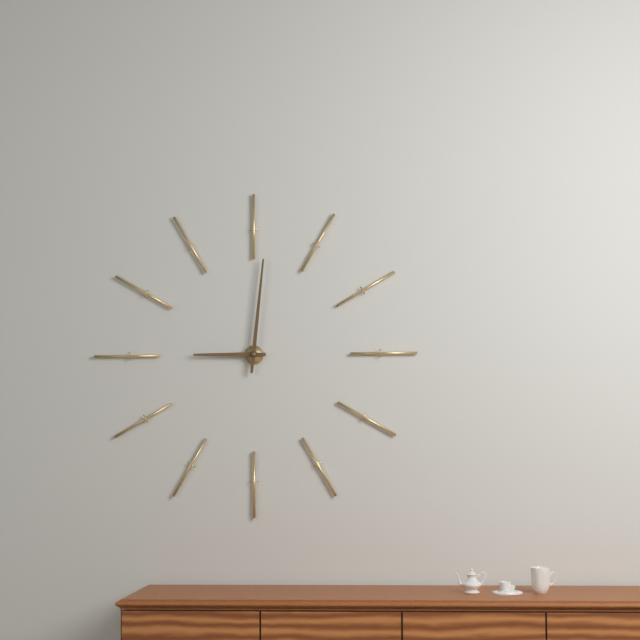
9.01
